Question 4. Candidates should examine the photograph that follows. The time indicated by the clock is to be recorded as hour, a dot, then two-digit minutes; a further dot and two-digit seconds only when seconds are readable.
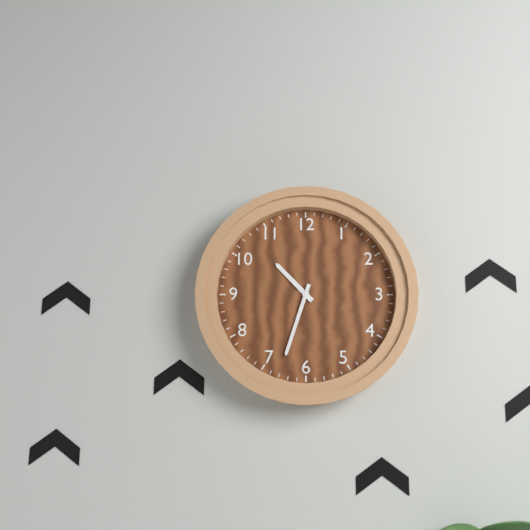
10.33
